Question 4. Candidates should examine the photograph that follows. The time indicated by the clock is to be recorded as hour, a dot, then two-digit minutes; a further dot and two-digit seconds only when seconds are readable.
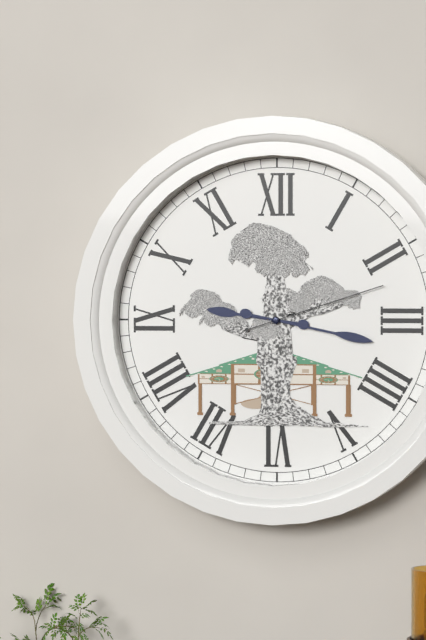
9.17.12
